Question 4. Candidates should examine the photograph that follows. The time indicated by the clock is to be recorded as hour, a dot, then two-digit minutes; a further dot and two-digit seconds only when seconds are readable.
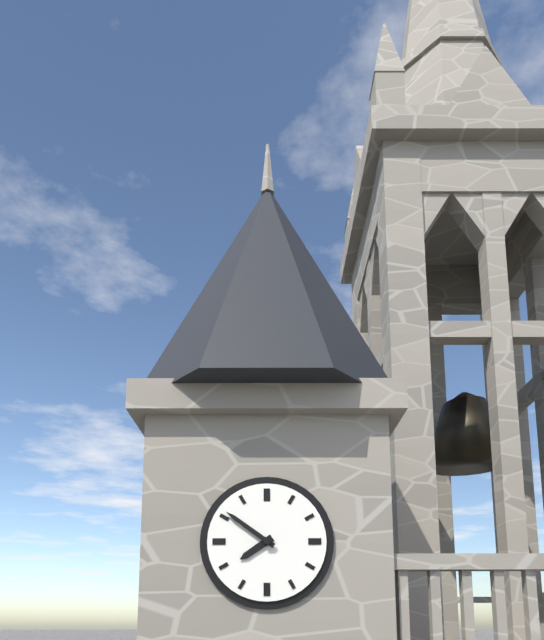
7.51
